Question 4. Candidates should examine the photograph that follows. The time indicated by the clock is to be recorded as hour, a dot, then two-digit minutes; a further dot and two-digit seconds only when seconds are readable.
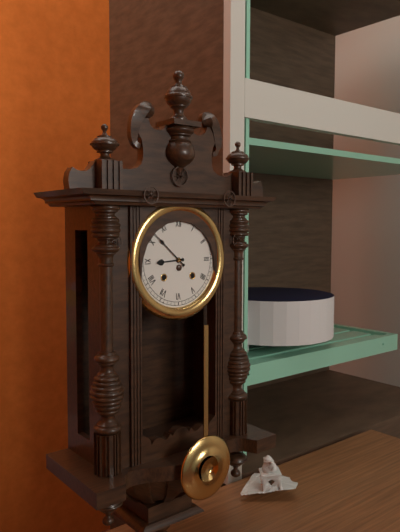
8.52
